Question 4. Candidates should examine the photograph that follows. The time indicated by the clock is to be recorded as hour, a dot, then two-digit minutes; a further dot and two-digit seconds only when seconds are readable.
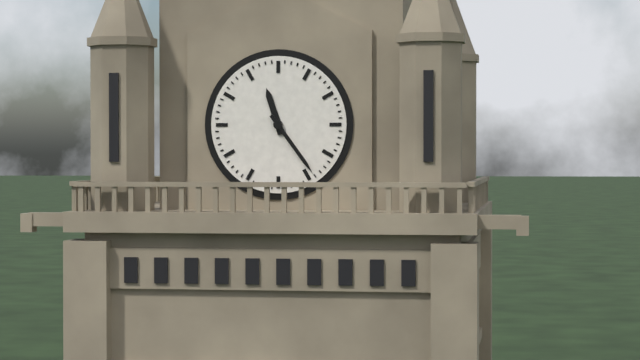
11.24
